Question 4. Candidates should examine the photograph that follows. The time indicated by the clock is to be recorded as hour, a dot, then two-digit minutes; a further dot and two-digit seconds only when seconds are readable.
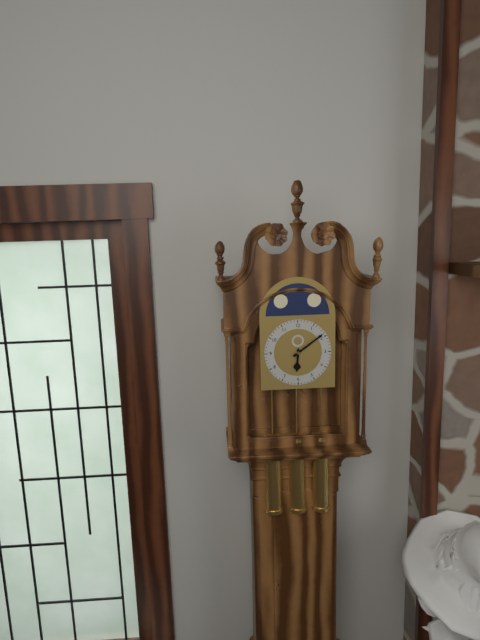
6.09
